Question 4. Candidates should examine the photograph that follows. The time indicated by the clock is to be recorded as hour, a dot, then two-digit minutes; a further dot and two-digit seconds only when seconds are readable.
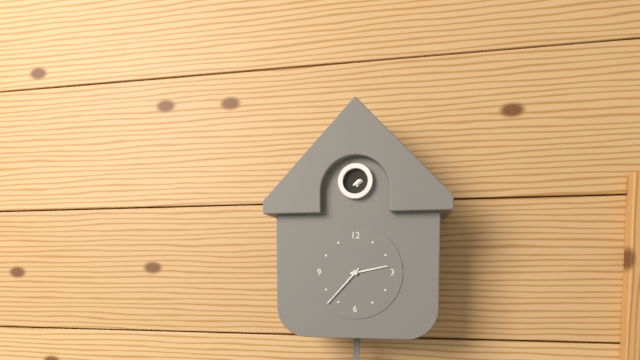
2.37
